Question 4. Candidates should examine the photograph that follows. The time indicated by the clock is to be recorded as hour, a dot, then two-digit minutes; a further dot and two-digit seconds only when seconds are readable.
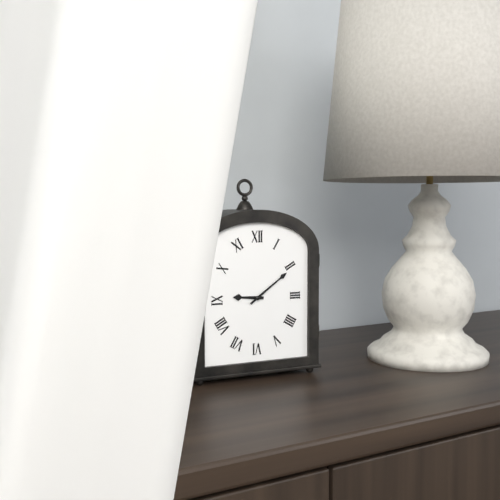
9.09
